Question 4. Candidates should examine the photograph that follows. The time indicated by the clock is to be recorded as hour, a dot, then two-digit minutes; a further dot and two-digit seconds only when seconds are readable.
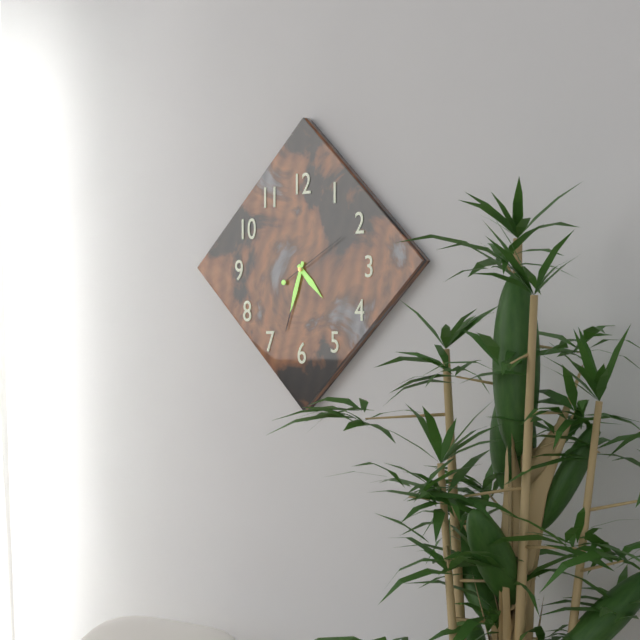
4.33.10
